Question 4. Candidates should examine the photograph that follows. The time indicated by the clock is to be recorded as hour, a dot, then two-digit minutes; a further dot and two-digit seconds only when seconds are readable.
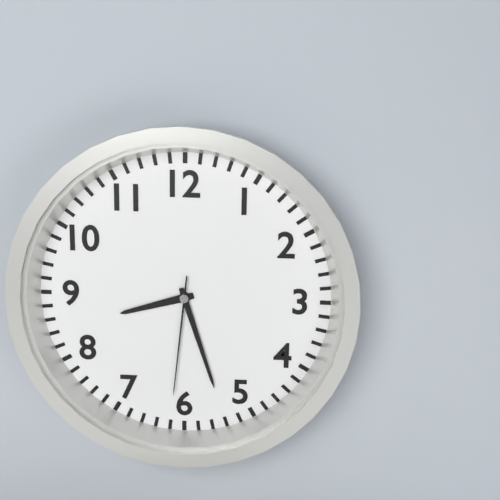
8.27.31
